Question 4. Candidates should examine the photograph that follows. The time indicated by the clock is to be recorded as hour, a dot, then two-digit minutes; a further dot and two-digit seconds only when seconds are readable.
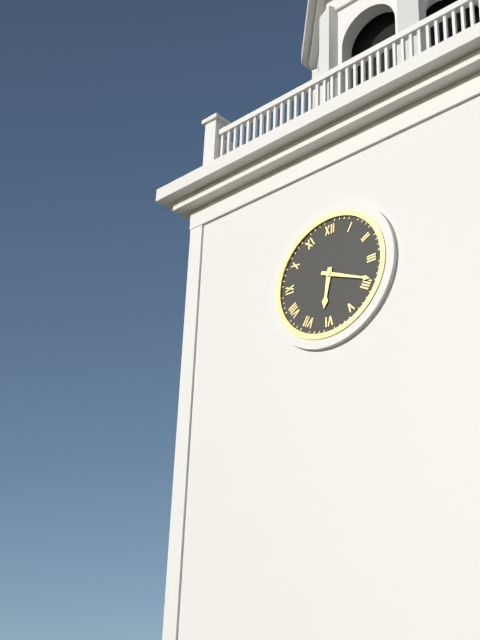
6.19
